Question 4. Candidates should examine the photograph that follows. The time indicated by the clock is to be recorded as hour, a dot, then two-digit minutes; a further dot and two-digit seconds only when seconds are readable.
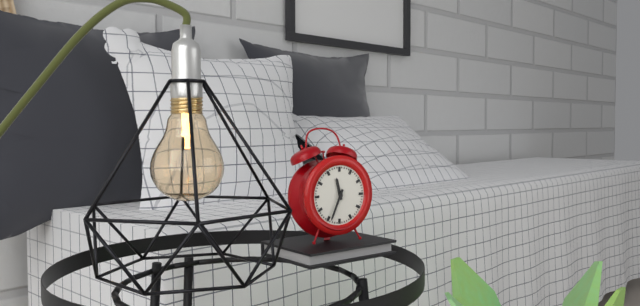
11.34
